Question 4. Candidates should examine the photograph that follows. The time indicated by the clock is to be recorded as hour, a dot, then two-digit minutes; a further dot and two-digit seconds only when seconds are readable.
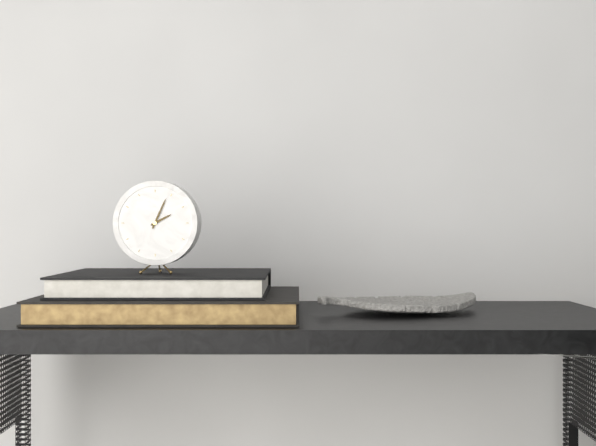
2.04
